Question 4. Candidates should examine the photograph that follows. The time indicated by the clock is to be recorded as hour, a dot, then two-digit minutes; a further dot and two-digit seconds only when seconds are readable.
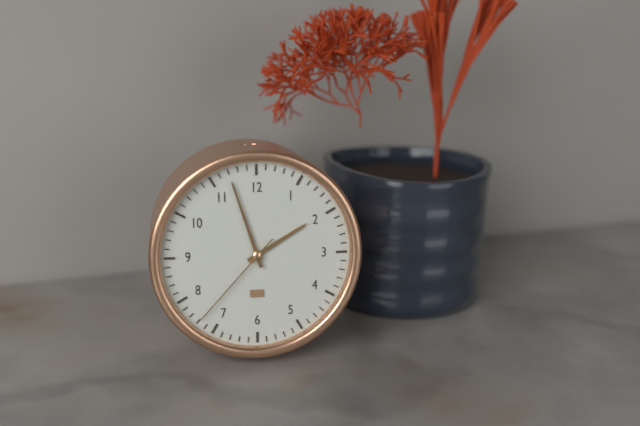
1.57.37
